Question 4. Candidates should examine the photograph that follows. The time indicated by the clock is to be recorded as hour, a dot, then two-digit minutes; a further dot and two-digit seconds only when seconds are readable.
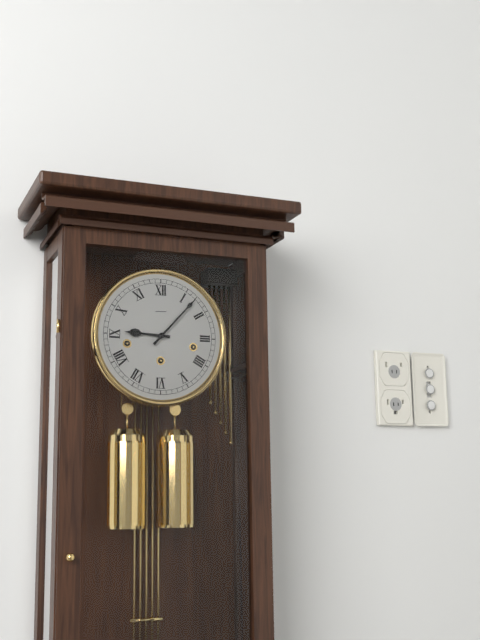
9.07
